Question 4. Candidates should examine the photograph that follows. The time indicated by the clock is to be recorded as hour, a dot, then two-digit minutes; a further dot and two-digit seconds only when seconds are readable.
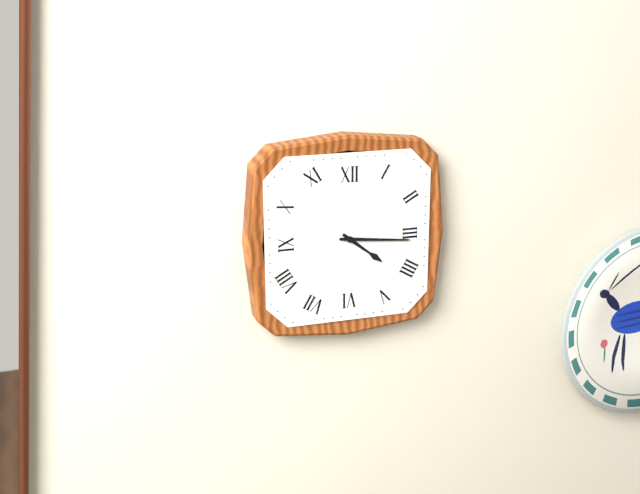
4.16
